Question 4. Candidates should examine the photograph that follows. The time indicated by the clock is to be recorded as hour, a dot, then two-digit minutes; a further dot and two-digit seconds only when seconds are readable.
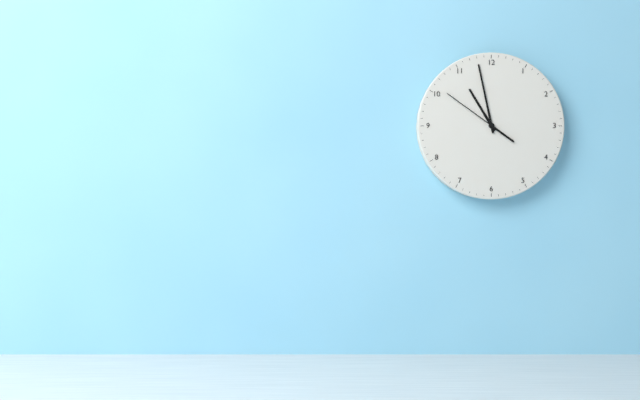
10.58.51
